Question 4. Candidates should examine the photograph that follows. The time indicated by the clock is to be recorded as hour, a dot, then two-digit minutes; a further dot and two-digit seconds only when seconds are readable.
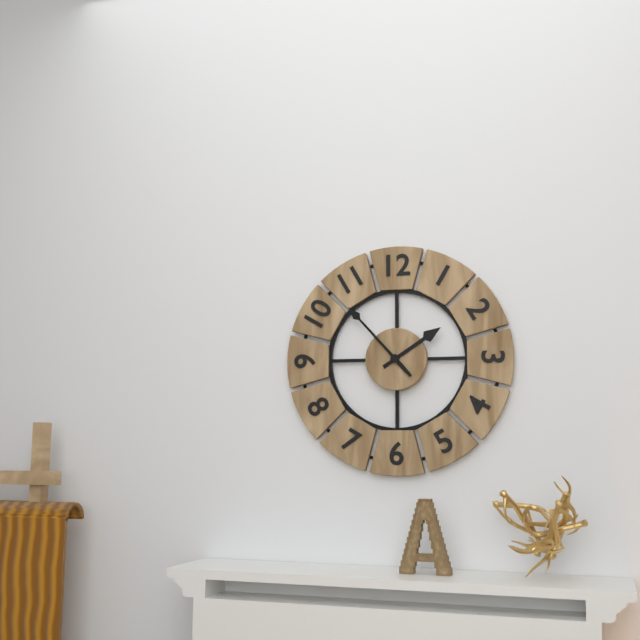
1.53
